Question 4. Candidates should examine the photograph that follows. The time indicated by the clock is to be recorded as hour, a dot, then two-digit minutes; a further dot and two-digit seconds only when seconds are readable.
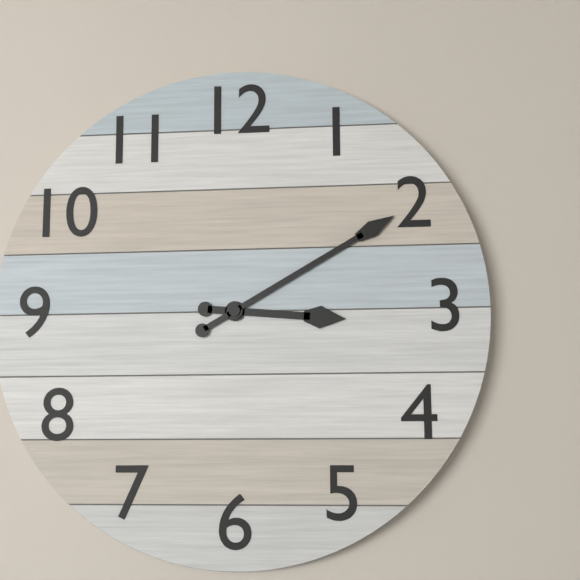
3.10
